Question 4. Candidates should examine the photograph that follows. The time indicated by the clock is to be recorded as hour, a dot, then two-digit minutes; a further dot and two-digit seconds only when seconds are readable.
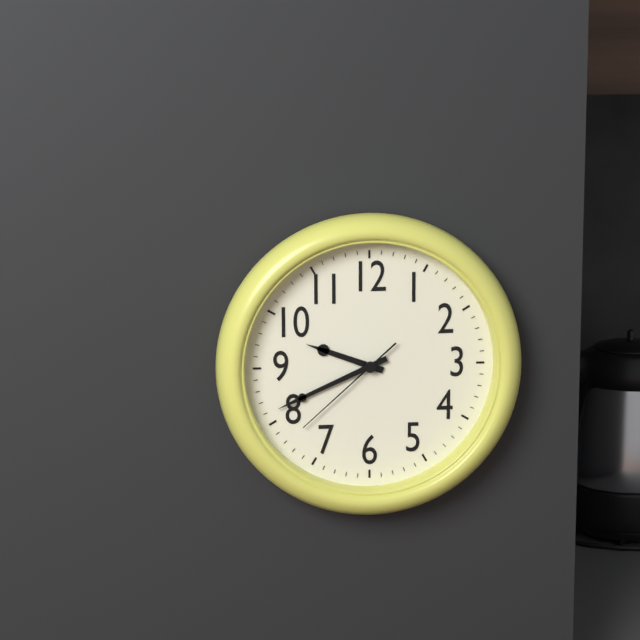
9.41.38
